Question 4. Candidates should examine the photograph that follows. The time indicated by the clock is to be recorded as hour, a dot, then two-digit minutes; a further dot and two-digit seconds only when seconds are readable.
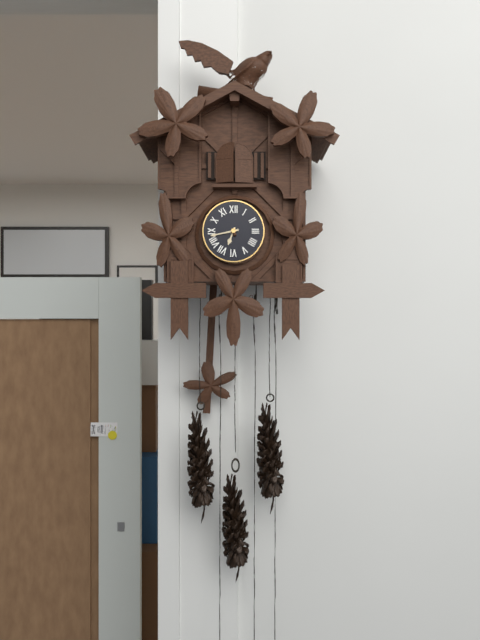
6.43
